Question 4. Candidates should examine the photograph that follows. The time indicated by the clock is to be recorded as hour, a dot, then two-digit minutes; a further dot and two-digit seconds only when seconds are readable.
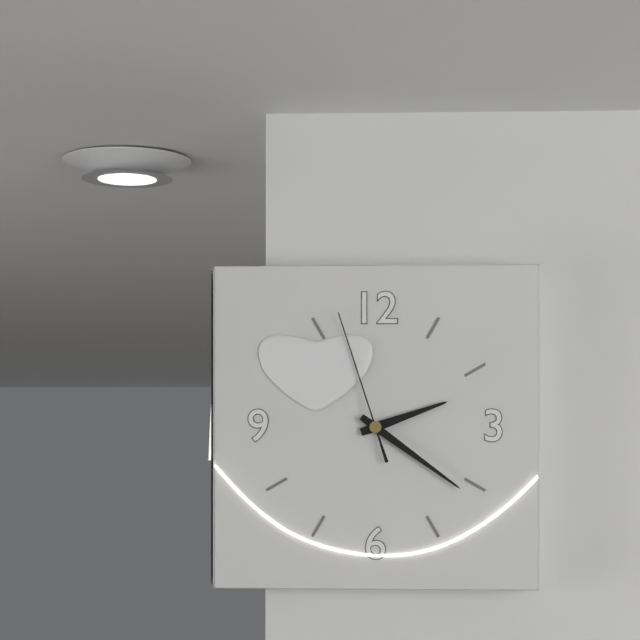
2.21.57
